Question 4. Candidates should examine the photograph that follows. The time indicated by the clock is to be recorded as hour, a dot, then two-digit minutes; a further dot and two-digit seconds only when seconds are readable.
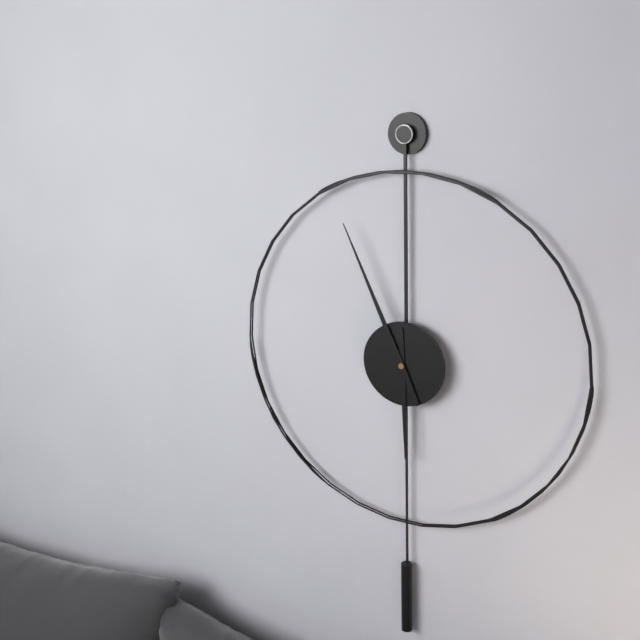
5.56
